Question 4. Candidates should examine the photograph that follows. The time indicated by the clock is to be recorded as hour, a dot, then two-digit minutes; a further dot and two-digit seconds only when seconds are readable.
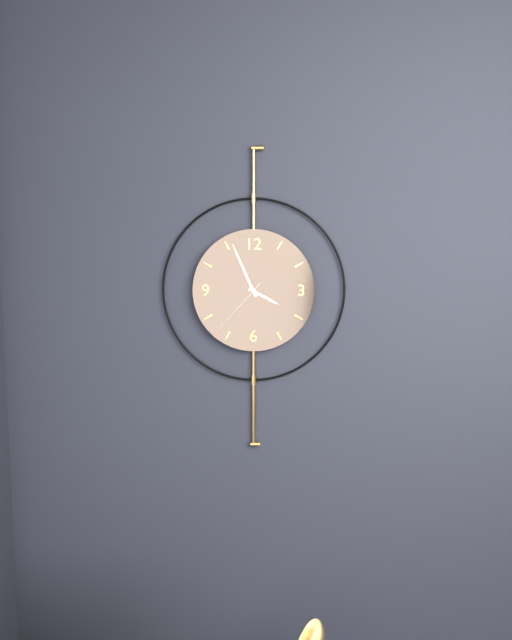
3.56.37
